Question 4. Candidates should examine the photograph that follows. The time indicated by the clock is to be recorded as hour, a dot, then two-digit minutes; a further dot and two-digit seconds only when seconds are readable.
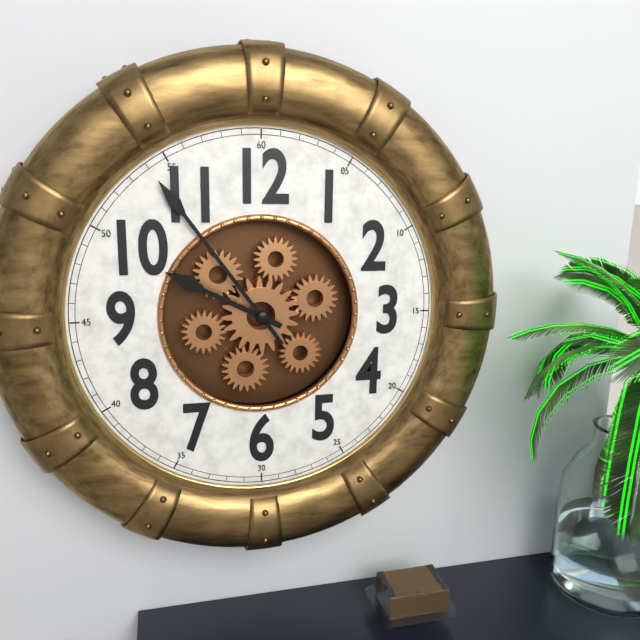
9.54
